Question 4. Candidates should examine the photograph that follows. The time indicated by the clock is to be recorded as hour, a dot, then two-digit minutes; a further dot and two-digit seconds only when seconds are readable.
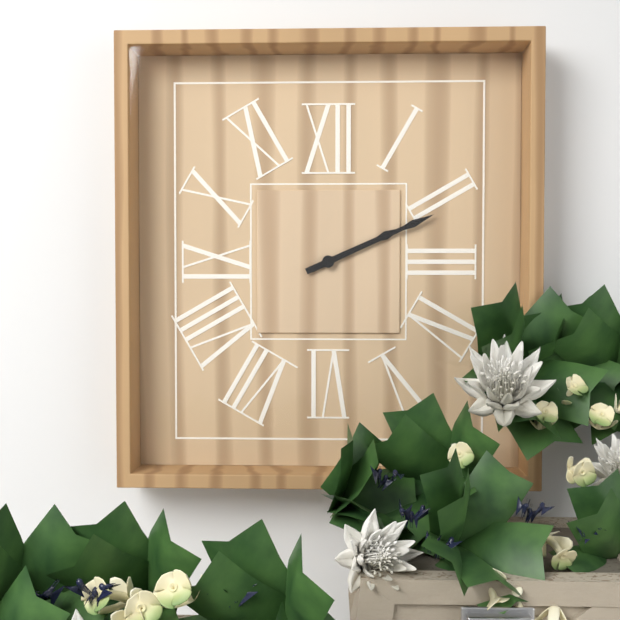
2.11
